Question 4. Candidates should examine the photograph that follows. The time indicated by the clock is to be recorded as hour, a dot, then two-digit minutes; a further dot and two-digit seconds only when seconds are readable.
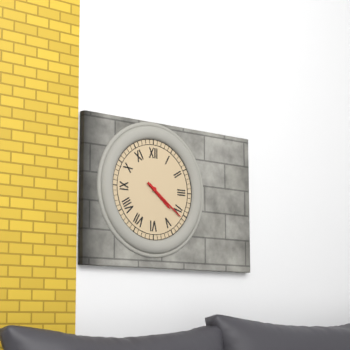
4.21
